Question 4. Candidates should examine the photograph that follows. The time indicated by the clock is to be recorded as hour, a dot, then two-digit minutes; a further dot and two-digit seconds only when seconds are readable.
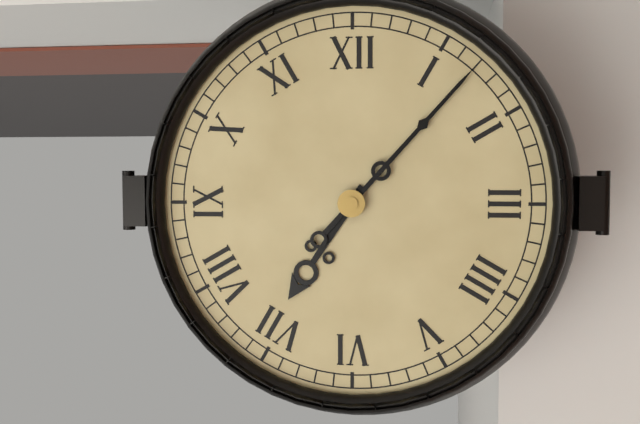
7.07
